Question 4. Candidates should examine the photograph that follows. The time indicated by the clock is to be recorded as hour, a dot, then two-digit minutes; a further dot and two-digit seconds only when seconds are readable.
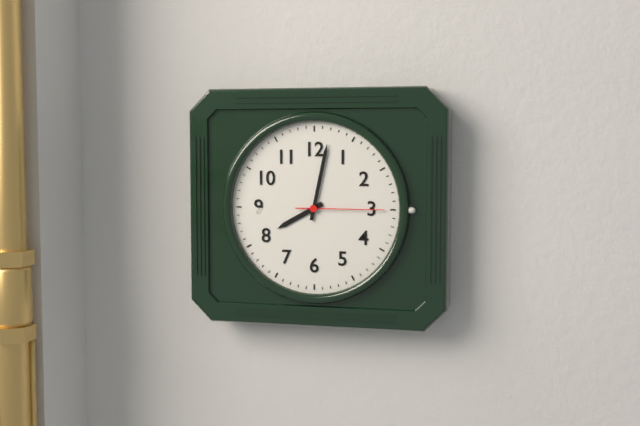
8.02.15
